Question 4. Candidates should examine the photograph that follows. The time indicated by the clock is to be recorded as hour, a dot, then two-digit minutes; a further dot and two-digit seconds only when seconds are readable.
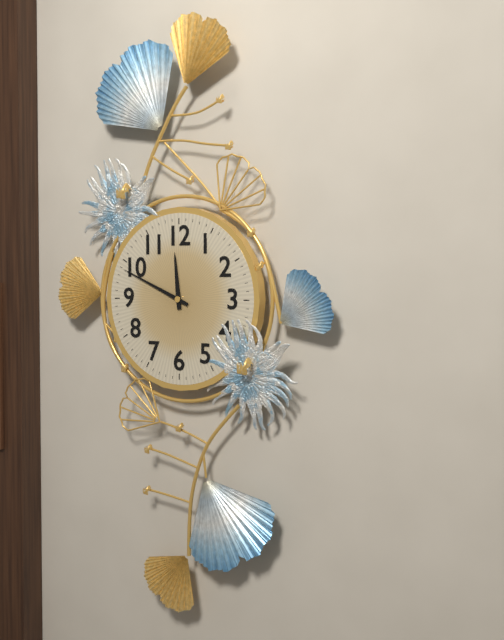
11.49
